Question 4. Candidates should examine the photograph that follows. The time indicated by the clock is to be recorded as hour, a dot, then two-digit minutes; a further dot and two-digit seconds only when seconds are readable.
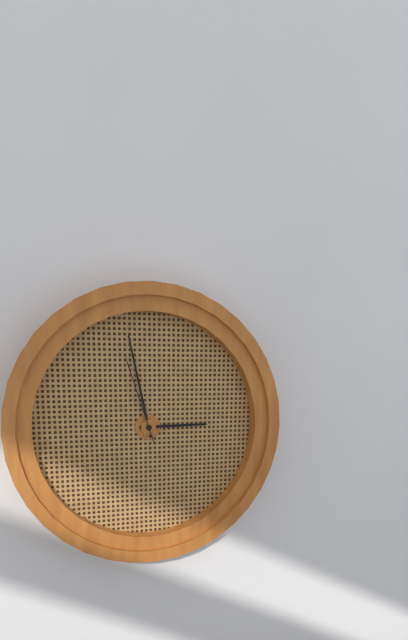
2.58.57
